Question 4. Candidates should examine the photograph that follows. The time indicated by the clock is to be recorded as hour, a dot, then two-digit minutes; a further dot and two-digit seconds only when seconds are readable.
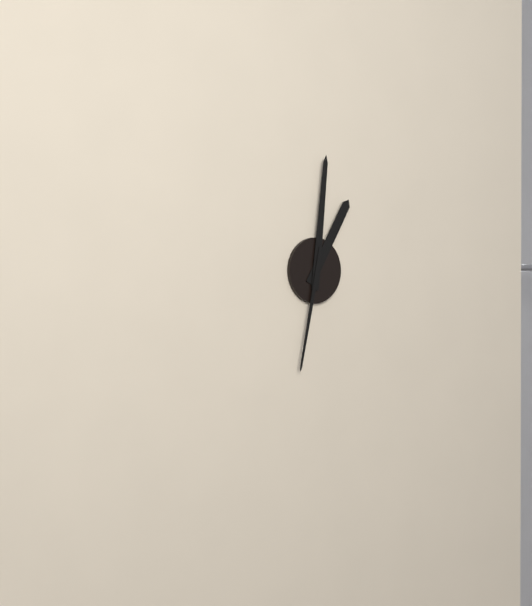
1.01.32
